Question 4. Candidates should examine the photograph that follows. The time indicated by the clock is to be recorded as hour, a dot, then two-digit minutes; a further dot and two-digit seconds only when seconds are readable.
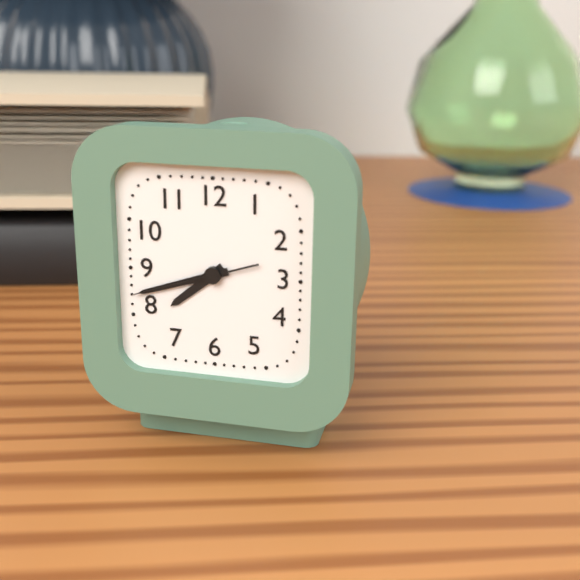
7.42.42
